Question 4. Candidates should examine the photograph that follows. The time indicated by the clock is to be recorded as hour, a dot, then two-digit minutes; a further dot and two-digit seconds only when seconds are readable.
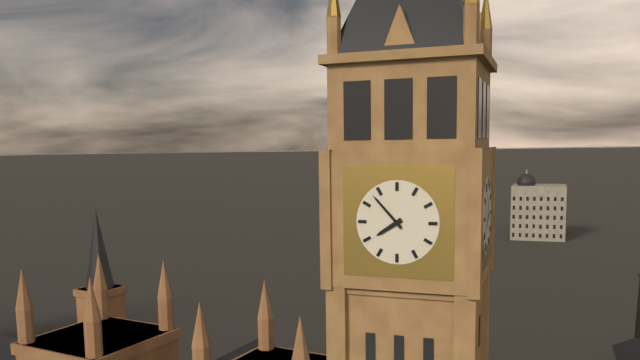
7.53
